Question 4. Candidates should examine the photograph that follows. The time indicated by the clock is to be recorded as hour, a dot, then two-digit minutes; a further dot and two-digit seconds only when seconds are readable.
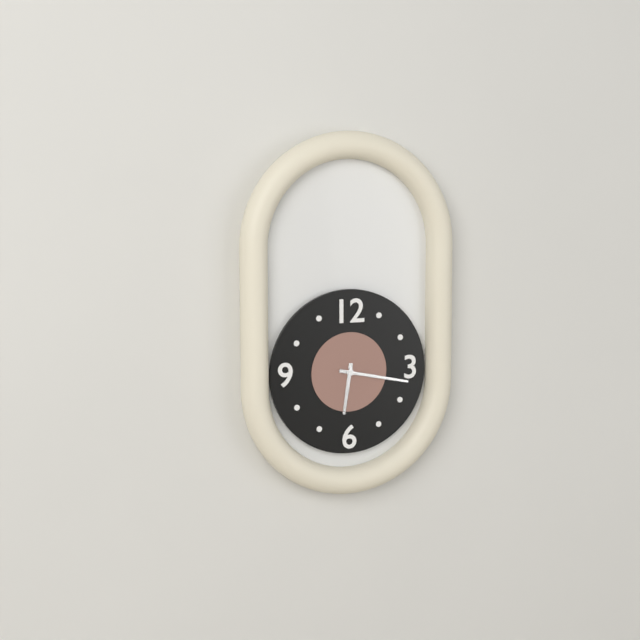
6.17
